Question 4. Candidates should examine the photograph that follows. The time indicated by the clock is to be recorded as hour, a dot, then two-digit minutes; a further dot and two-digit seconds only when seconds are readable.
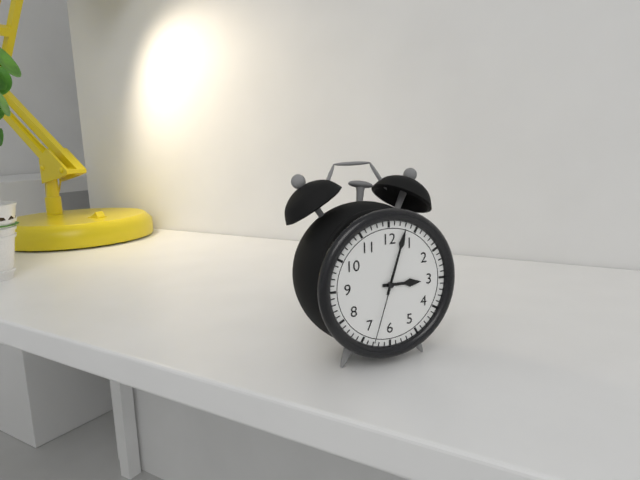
3.03.33
